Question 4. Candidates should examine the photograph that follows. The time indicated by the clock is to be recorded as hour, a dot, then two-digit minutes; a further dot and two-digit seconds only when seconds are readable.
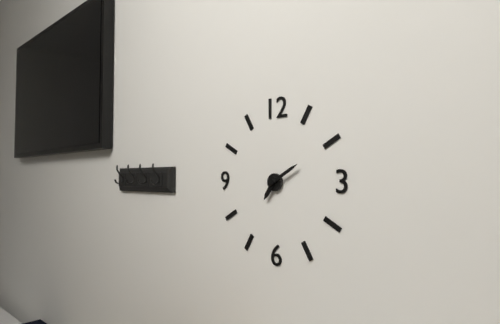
7.10
